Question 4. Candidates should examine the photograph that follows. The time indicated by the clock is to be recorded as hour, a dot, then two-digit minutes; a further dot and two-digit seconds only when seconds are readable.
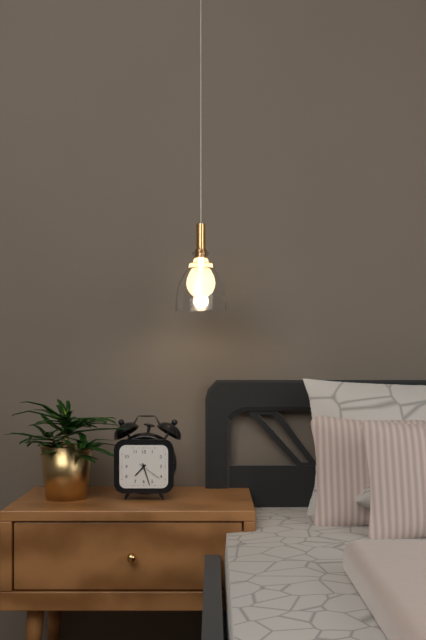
7.27
